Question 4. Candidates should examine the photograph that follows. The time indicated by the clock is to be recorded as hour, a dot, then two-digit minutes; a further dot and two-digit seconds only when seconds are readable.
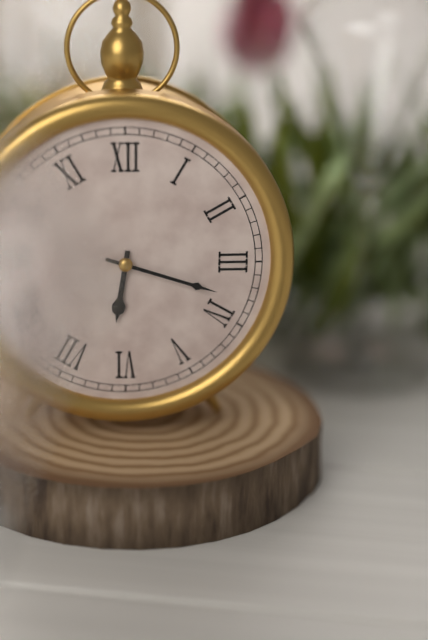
6.18
